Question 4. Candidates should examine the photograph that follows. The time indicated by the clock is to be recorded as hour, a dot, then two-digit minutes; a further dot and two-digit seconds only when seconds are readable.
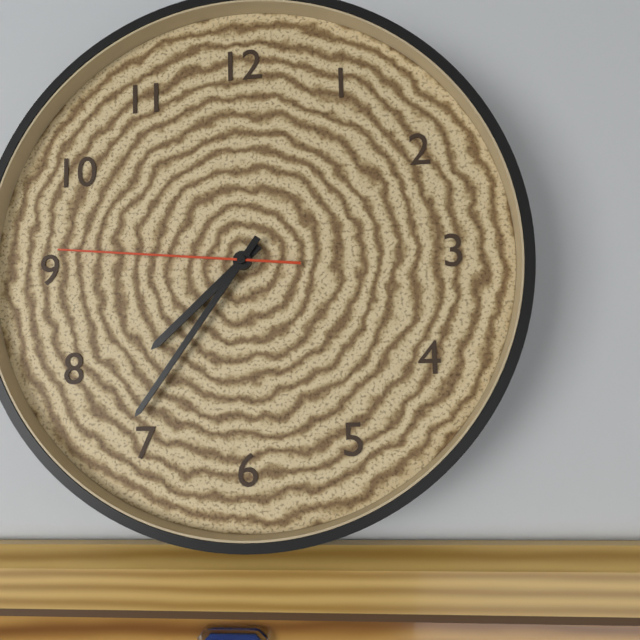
7.36.46
